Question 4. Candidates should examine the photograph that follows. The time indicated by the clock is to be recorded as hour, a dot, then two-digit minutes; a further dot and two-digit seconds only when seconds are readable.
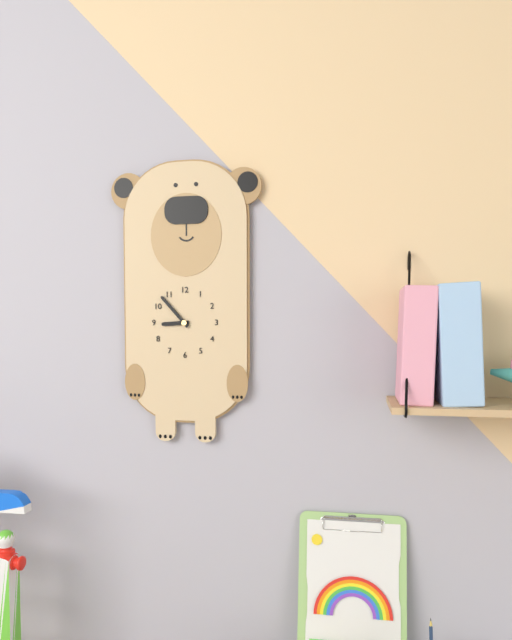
8.53
